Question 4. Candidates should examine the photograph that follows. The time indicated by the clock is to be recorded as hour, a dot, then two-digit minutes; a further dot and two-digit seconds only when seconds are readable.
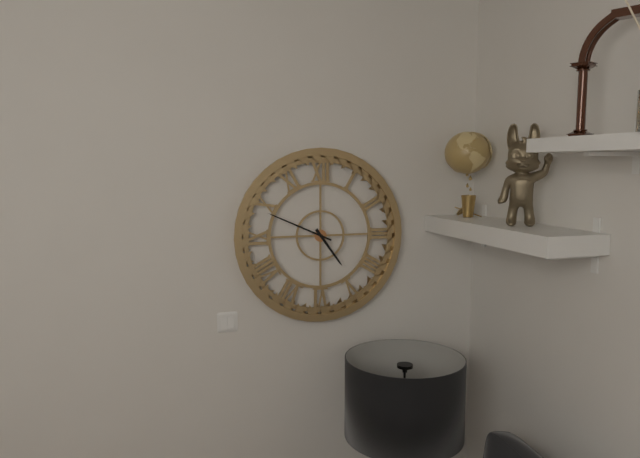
4.49
